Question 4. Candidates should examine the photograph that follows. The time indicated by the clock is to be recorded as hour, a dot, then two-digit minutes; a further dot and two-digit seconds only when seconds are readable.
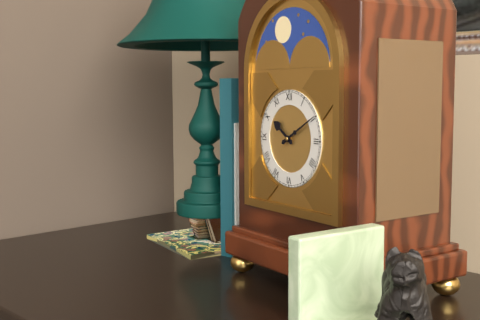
10.10
